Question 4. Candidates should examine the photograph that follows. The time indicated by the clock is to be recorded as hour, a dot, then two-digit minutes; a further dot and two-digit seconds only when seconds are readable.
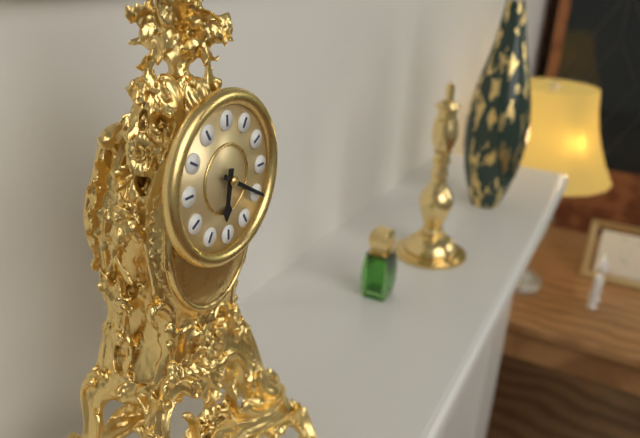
6.20
